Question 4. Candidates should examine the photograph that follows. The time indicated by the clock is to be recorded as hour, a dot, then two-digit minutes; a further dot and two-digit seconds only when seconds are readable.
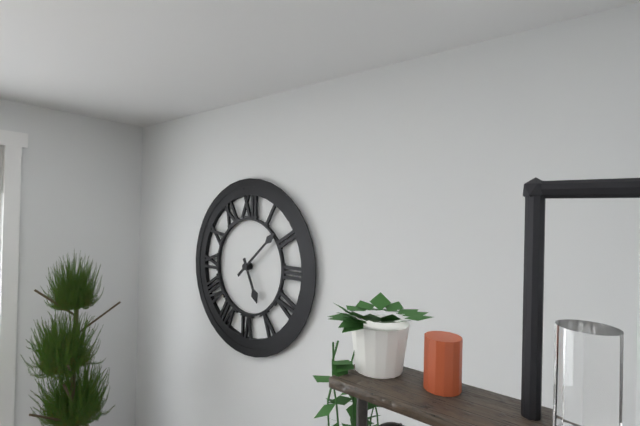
5.08
